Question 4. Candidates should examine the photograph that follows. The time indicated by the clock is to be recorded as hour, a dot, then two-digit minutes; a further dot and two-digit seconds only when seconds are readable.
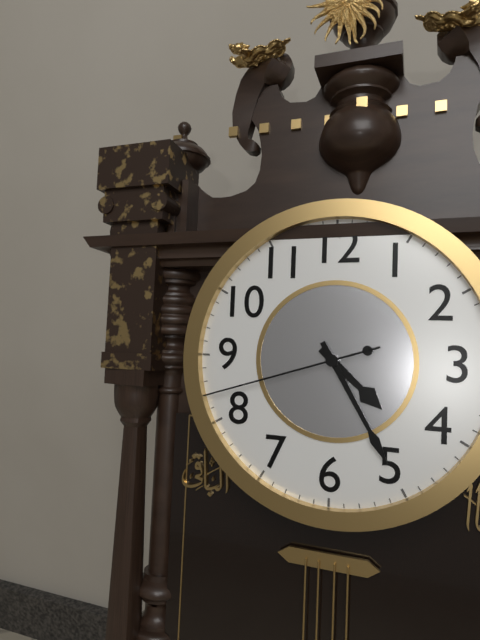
4.25.42
